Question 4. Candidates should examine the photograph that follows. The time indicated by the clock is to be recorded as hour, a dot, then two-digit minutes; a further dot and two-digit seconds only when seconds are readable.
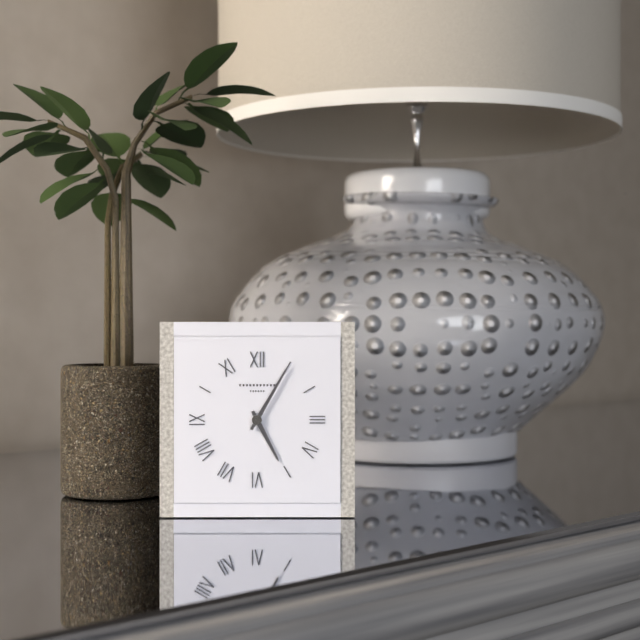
5.05
